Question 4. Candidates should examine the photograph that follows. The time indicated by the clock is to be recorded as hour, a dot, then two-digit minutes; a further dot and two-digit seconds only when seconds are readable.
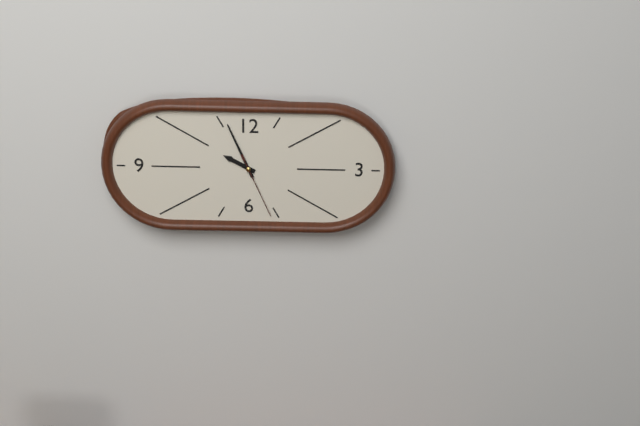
9.56.26
